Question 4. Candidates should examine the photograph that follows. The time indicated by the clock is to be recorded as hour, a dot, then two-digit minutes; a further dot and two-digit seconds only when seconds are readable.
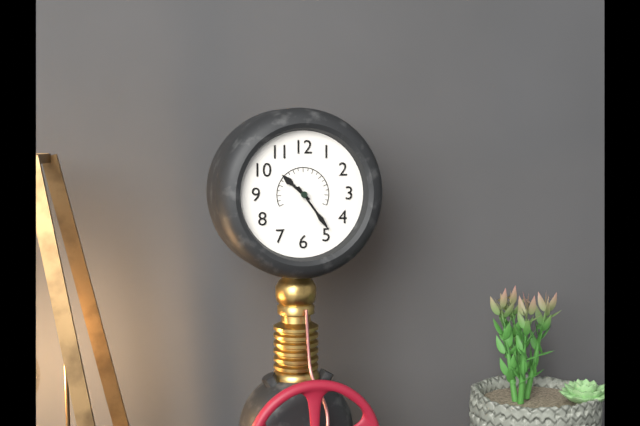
10.24
